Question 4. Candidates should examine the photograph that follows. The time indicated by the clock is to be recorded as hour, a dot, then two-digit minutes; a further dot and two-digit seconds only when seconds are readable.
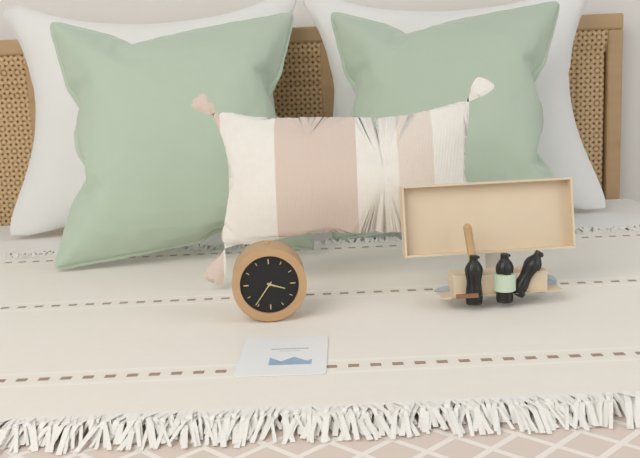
3.36
